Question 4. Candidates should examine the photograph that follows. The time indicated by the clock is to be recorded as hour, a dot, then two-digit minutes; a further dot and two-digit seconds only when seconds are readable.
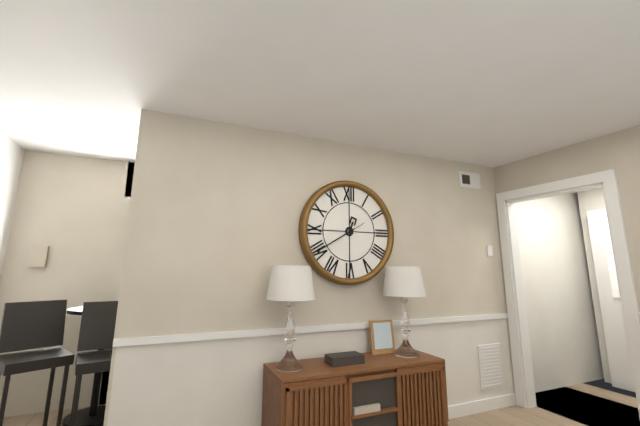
12.40
